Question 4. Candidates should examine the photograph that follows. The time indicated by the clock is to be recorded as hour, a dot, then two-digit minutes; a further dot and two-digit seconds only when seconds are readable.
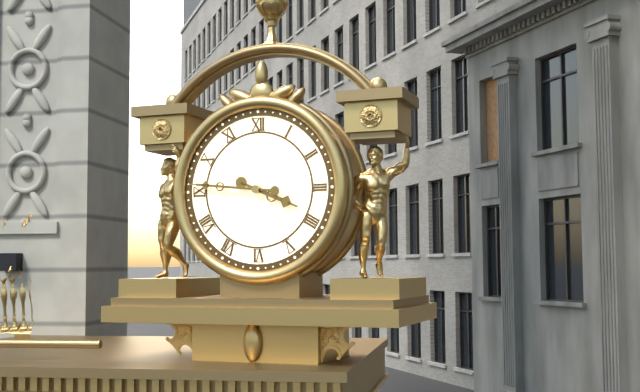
3.46
